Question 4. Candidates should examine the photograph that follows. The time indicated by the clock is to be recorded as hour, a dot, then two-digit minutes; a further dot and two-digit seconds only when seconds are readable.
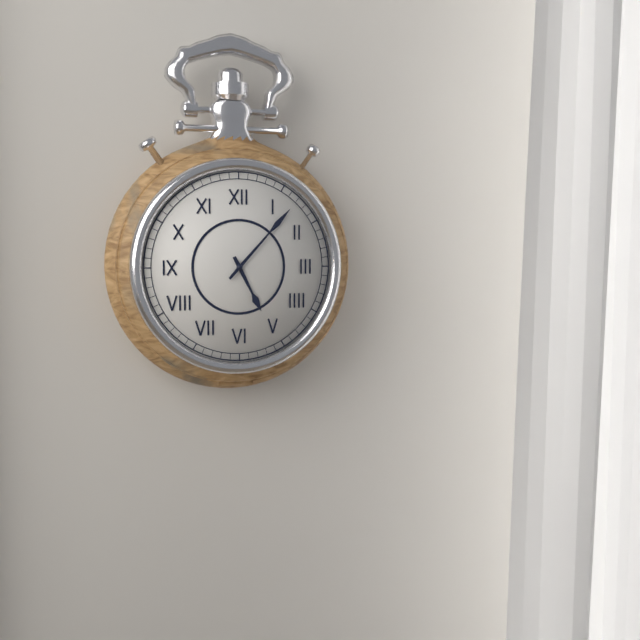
5.07
